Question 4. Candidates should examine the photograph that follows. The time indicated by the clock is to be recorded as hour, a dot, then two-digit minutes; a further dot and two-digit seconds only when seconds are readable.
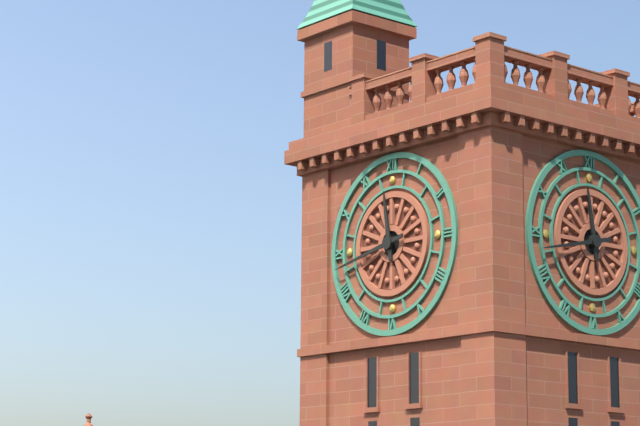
11.43
